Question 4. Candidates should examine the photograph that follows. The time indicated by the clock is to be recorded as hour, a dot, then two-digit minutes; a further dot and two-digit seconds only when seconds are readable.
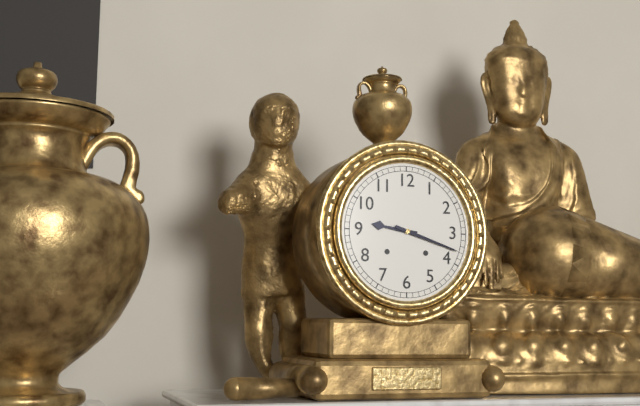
9.18
